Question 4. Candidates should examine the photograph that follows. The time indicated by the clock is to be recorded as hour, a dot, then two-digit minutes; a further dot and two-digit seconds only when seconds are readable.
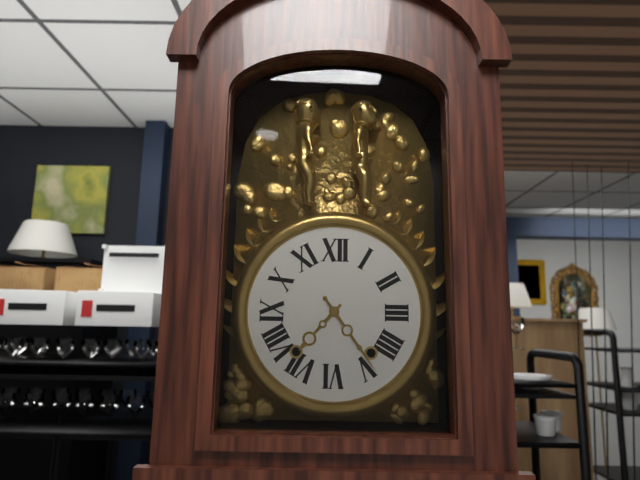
7.24
